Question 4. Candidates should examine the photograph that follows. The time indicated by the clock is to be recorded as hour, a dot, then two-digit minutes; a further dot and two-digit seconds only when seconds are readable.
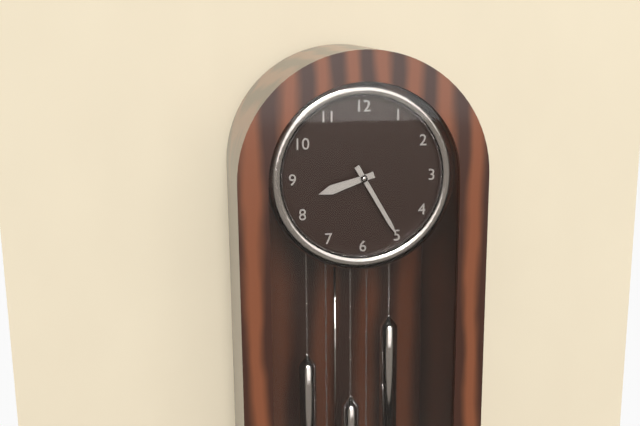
8.25
